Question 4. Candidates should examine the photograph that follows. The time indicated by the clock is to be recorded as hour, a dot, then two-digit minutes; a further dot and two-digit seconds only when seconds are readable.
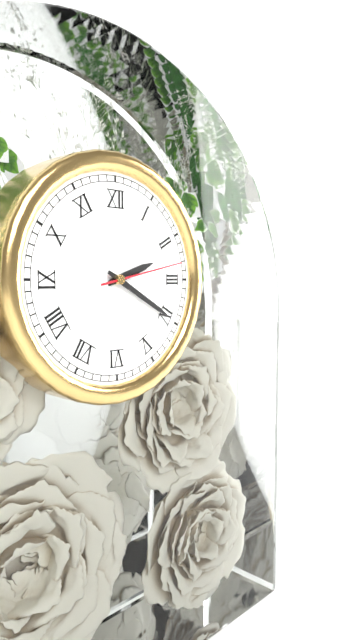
2.20.13
